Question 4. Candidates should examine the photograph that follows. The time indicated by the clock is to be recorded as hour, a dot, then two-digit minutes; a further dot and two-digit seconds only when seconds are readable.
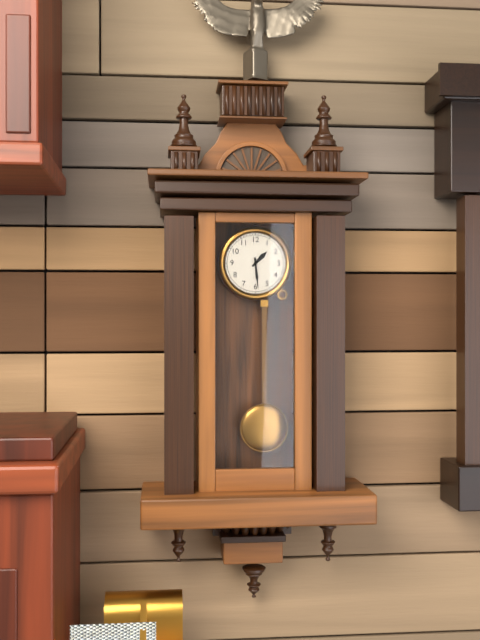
1.29
